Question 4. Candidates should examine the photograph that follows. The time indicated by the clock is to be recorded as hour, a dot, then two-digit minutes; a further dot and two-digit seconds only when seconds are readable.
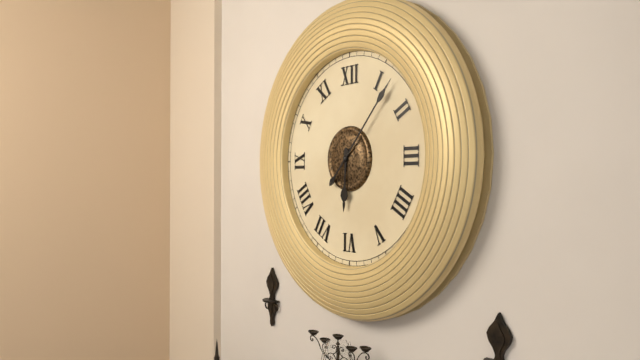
6.07
